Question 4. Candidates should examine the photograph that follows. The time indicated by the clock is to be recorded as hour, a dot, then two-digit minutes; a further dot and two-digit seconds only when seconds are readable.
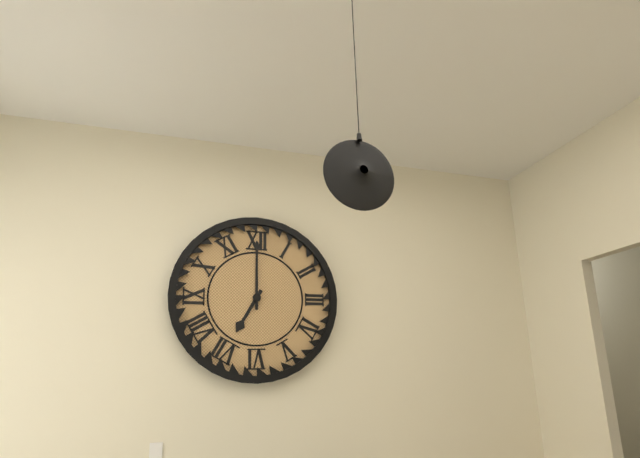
7.00
